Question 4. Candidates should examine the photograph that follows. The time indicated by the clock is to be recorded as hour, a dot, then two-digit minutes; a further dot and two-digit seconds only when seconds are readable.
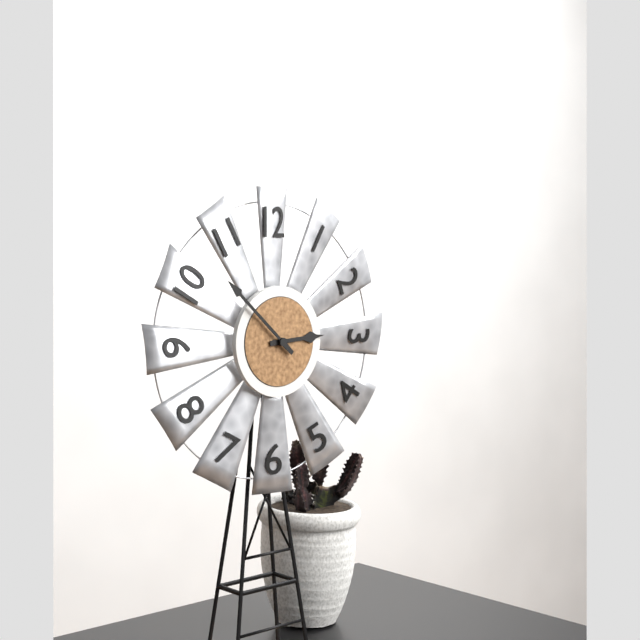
2.52
